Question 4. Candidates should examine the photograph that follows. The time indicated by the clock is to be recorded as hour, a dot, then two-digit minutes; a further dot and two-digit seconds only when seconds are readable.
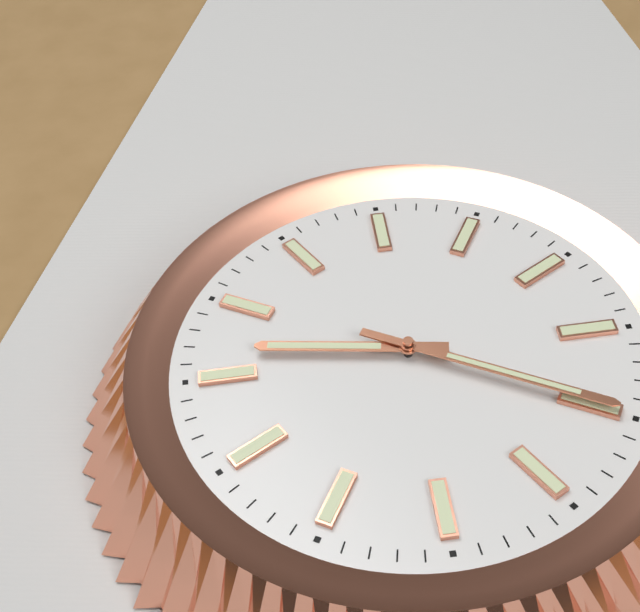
9.20
